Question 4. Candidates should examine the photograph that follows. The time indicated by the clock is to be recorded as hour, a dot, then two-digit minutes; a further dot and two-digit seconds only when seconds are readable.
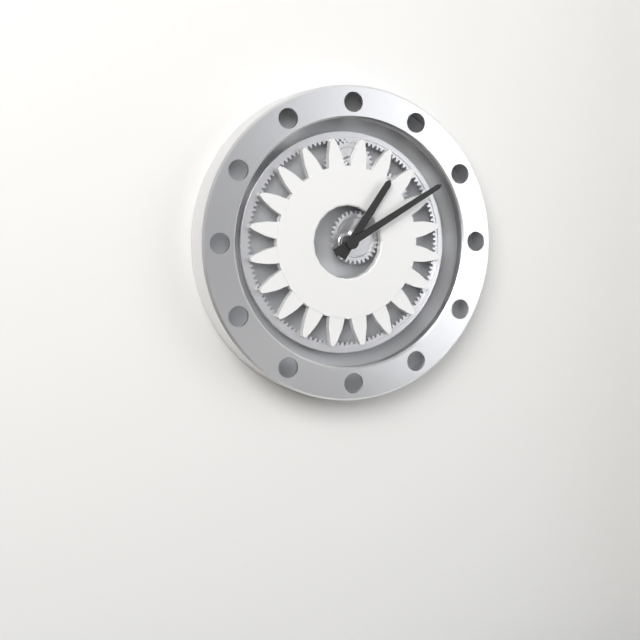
1.10
